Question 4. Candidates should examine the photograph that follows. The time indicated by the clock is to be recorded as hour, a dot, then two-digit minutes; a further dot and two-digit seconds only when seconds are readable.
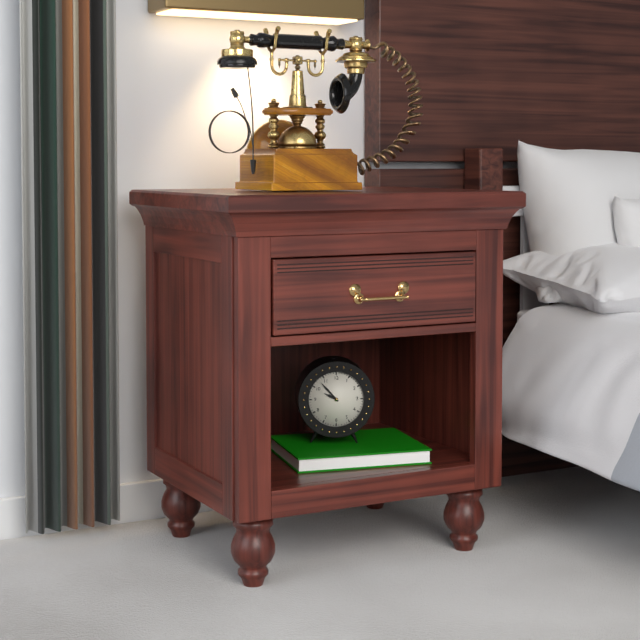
9.53
